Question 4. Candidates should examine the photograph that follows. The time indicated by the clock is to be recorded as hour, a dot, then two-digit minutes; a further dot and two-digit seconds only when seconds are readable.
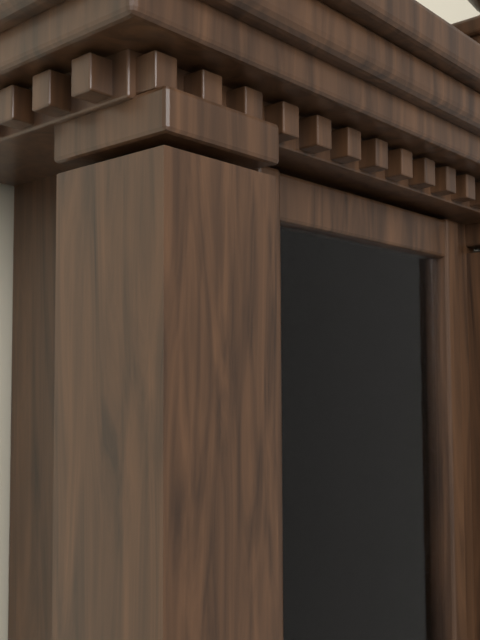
7.29
